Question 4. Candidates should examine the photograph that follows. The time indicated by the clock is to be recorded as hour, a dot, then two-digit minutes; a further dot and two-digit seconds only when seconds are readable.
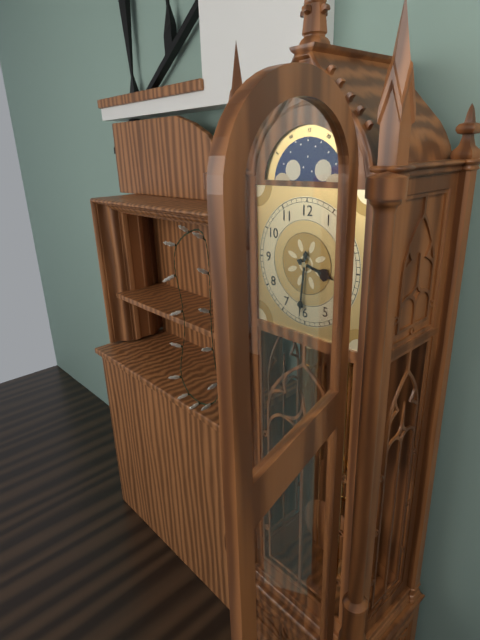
3.31
